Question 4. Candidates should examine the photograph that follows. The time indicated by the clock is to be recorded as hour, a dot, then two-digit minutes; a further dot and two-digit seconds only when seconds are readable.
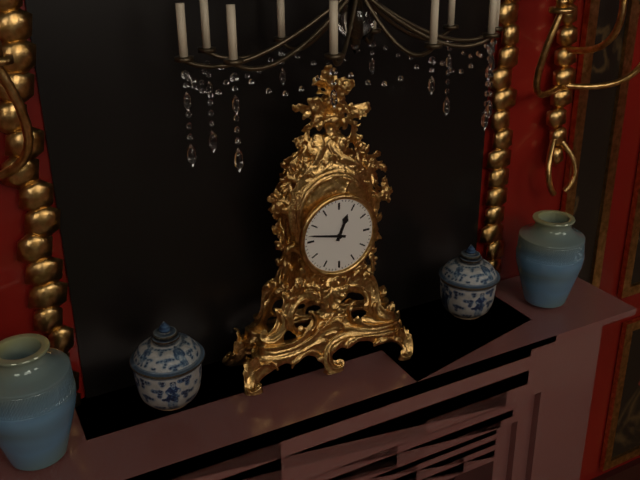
12.47
